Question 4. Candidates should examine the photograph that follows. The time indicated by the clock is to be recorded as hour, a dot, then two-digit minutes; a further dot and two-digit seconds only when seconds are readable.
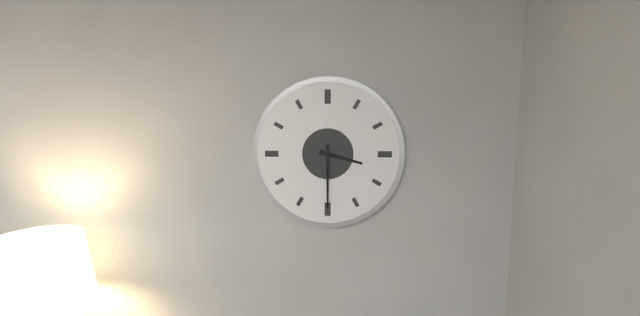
3.30
